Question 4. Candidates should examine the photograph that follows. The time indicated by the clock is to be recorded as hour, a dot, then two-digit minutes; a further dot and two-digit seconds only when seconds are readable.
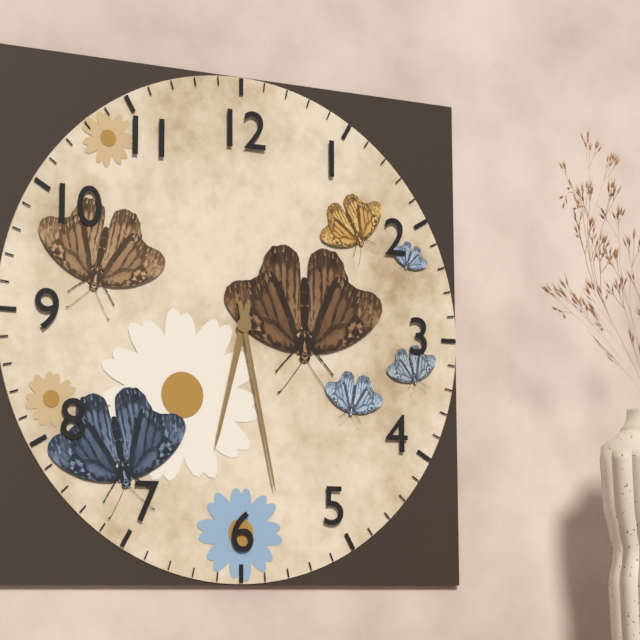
6.28
